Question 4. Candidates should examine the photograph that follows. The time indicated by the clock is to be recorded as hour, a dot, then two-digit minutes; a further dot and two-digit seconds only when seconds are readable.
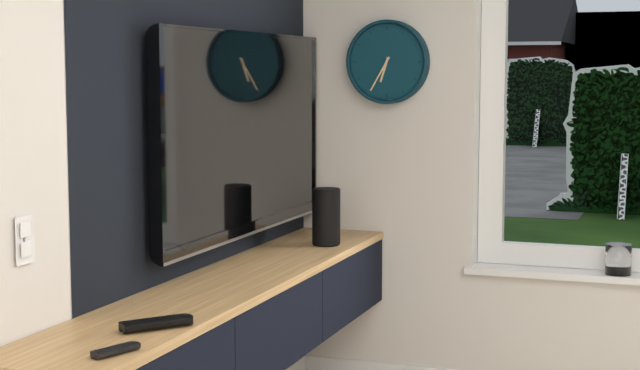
6.35
